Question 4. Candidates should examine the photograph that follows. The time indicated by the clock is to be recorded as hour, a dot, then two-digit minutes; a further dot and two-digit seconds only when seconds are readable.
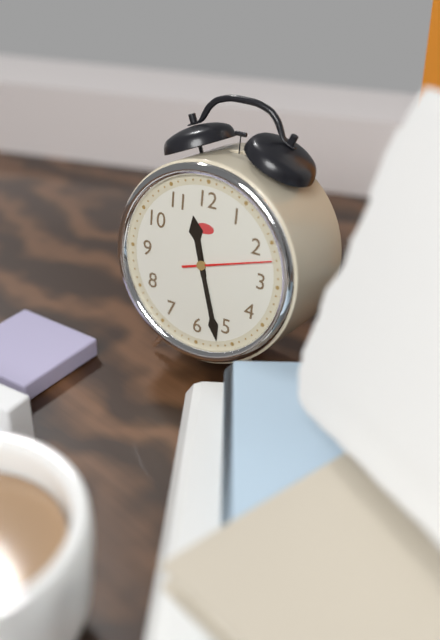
11.27.12
